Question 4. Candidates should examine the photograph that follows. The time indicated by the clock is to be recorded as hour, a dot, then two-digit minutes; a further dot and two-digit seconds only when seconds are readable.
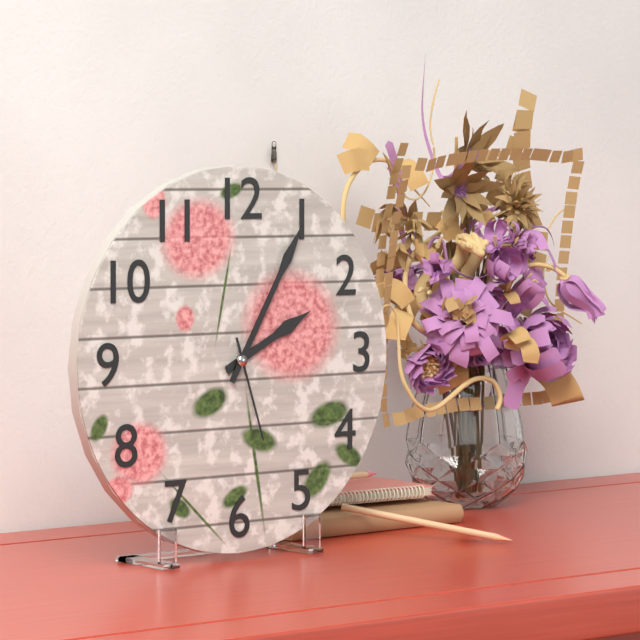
2.05.27
